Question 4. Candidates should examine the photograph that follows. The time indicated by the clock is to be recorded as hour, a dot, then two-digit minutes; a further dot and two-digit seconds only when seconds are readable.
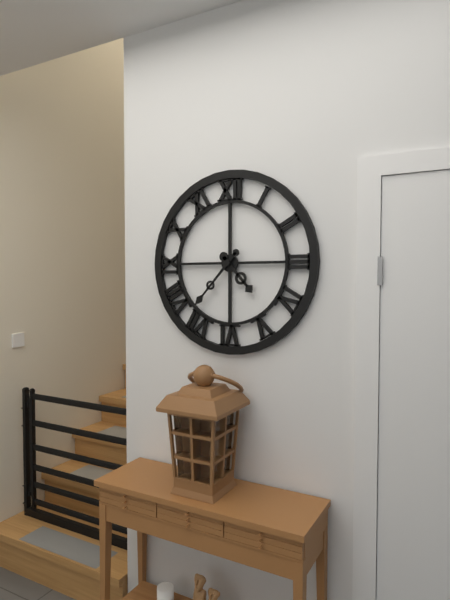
4.37
